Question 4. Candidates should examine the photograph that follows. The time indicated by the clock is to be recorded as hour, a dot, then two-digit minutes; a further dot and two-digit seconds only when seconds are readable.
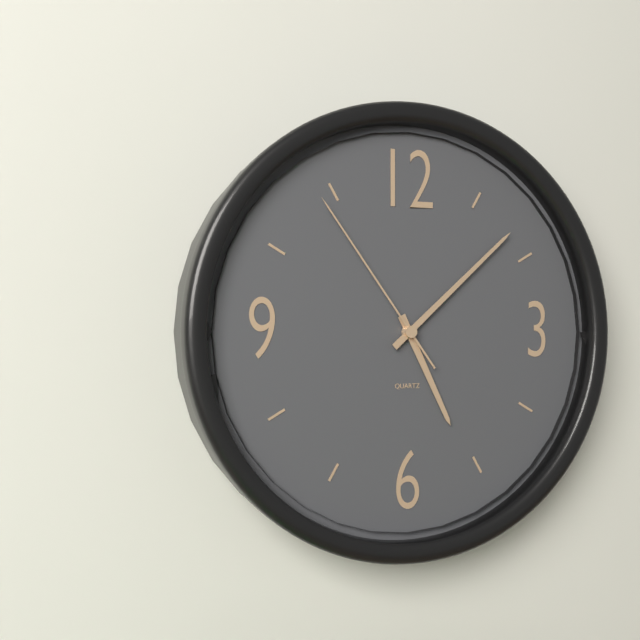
5.08.54
